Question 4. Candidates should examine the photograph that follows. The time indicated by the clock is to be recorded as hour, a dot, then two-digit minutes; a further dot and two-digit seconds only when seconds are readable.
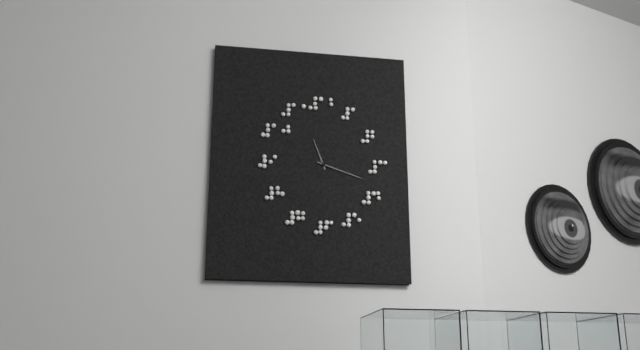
11.18
